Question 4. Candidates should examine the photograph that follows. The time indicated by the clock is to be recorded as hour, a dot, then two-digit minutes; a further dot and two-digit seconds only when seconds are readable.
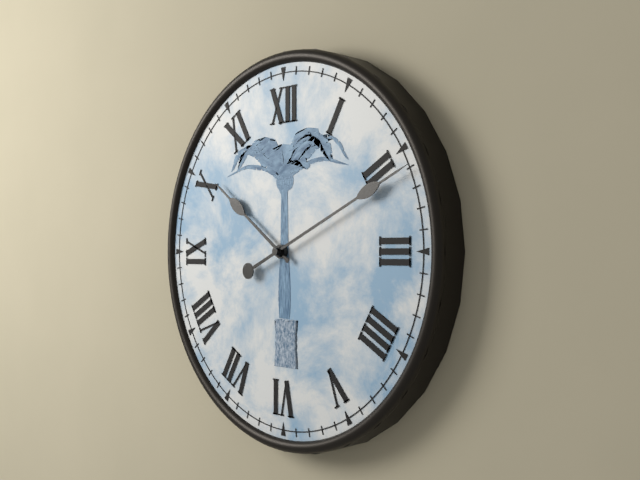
10.11
